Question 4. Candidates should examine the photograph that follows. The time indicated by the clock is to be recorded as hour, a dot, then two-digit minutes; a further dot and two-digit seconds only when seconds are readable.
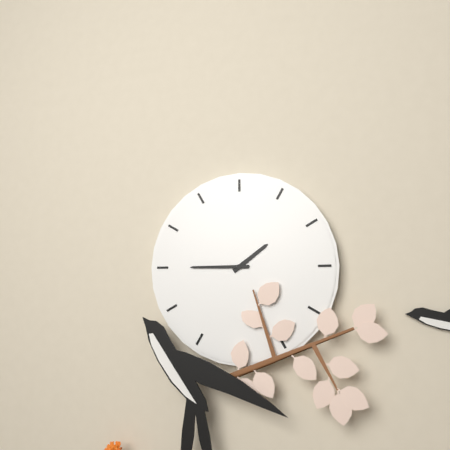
1.45
